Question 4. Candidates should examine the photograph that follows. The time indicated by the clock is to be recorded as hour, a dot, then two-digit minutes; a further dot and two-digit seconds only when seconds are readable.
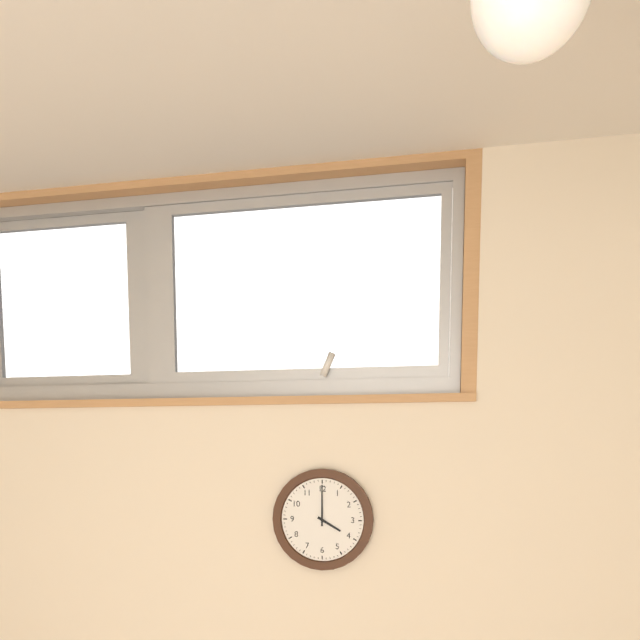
4.00
